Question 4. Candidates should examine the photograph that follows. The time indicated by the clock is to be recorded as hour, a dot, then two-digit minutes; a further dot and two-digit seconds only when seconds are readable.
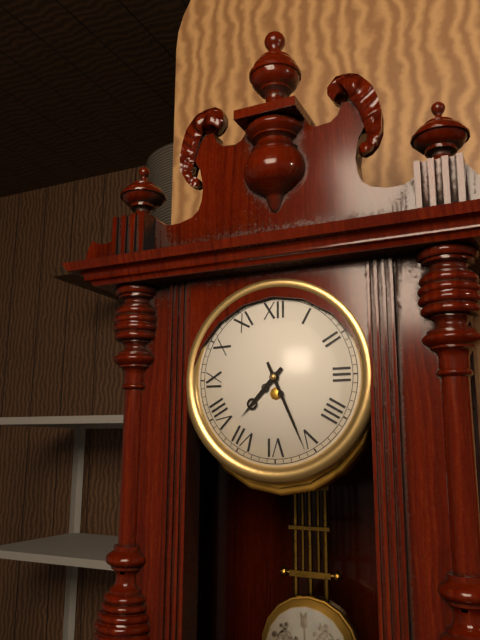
7.26
